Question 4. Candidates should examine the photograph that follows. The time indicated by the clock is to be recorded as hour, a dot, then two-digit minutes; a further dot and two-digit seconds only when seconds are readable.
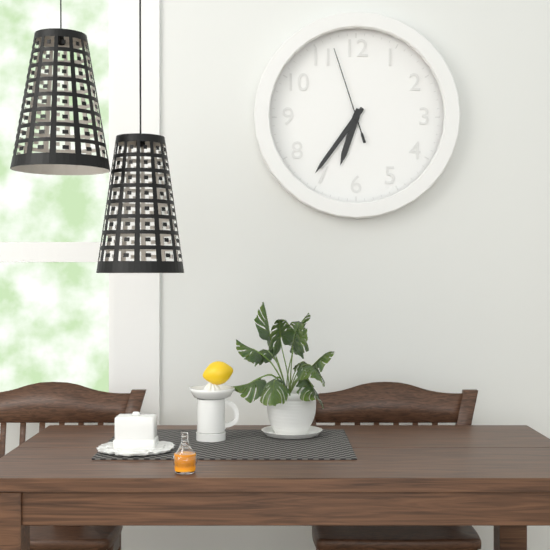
6.36.57
